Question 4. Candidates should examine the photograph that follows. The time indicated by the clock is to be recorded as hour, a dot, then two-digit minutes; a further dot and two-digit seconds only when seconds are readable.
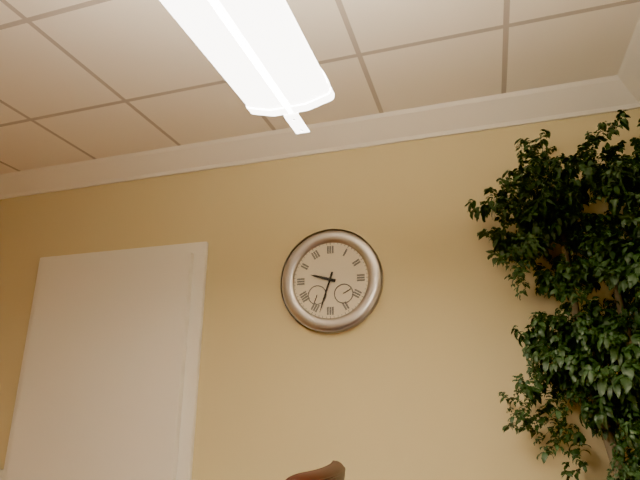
9.33
